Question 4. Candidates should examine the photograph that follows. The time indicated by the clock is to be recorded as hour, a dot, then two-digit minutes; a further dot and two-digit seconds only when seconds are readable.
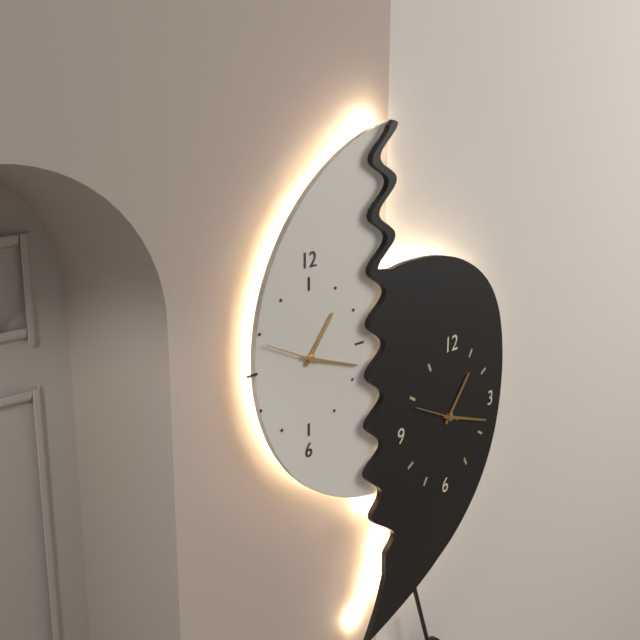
1.18.49
